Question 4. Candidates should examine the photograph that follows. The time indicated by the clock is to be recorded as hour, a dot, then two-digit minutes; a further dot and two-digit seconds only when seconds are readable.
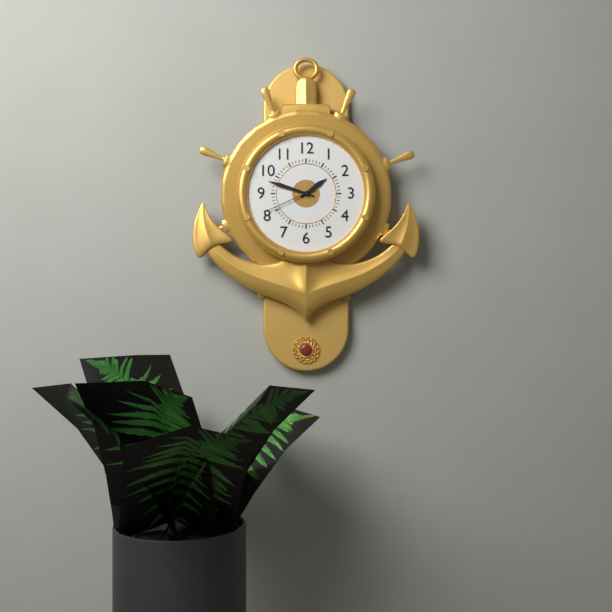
1.48.41
